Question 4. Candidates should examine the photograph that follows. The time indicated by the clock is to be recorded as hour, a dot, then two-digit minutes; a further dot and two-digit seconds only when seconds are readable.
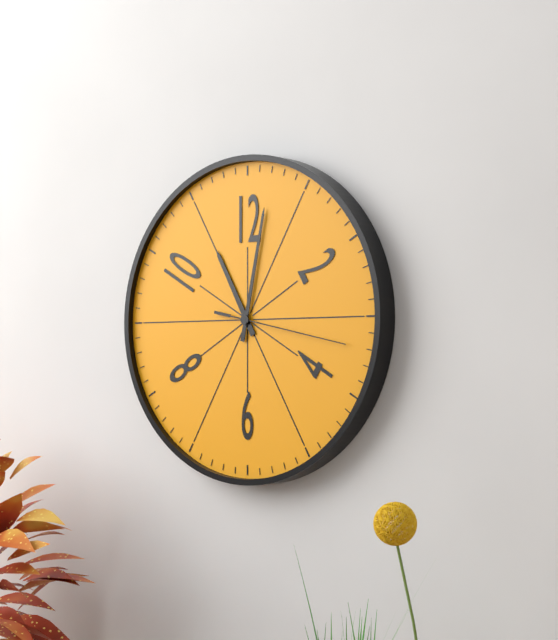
11.02.17
